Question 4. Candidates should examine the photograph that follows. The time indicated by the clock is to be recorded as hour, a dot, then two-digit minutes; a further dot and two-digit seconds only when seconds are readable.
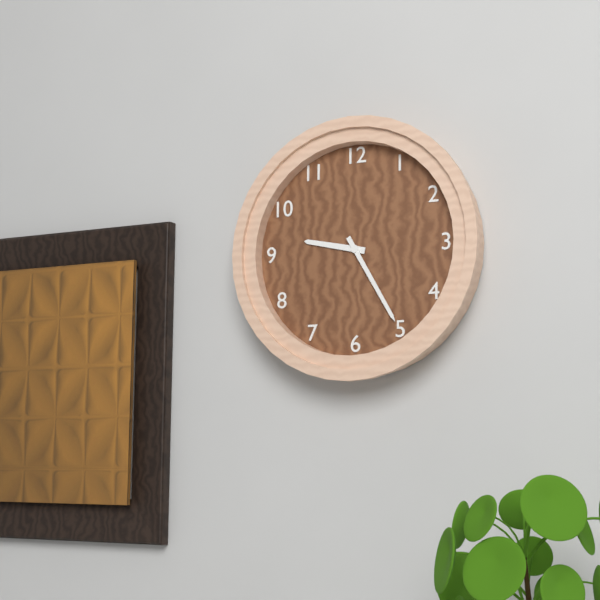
9.25
